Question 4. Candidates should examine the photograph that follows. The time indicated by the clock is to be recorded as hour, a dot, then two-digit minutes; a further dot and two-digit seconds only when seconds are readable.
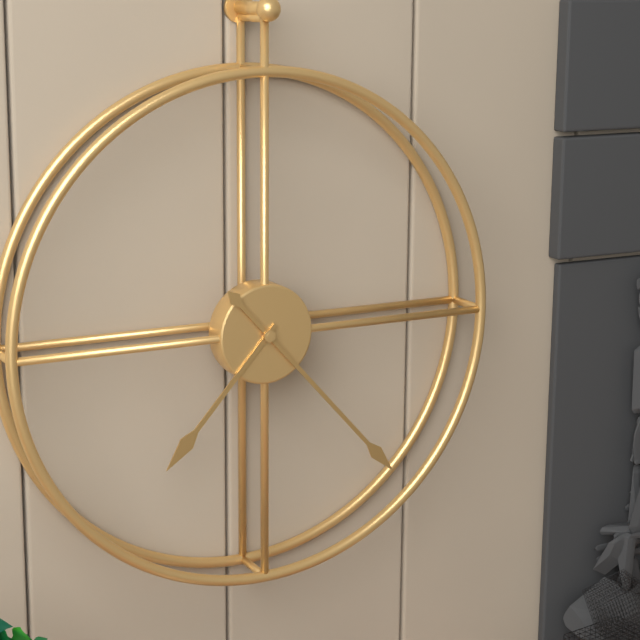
7.23
